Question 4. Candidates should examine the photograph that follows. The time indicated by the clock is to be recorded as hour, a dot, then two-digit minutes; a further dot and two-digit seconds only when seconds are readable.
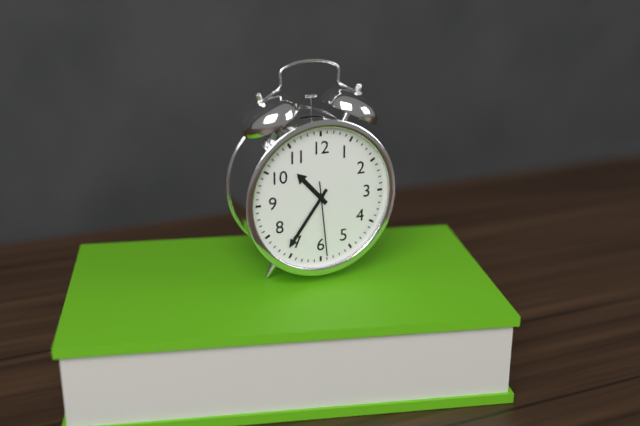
10.36.29
